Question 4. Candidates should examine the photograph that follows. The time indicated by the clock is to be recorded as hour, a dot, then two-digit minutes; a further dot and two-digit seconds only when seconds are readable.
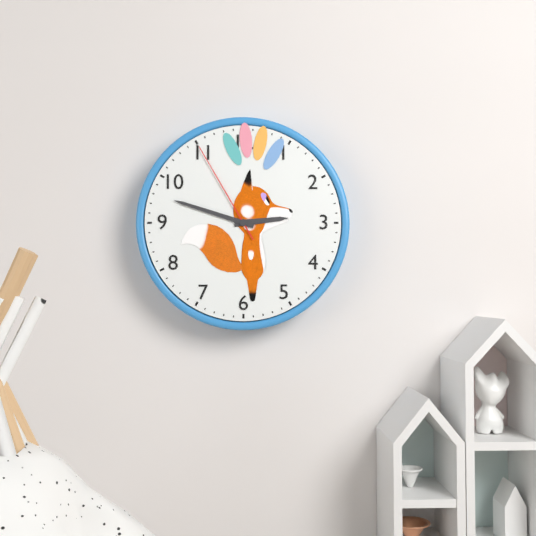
2.48.55
